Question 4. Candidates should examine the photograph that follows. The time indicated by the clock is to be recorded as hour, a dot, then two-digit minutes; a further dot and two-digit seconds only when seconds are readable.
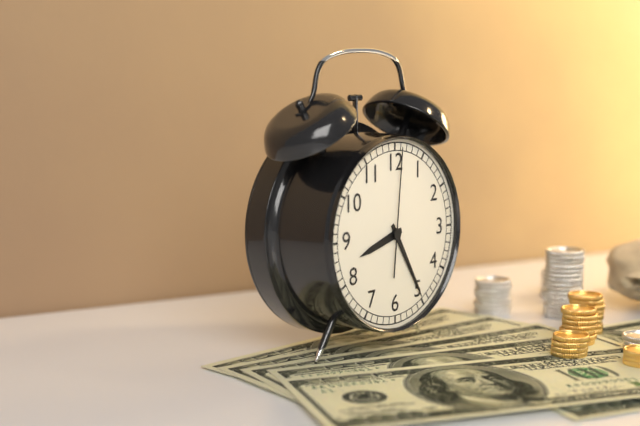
8.25.01
